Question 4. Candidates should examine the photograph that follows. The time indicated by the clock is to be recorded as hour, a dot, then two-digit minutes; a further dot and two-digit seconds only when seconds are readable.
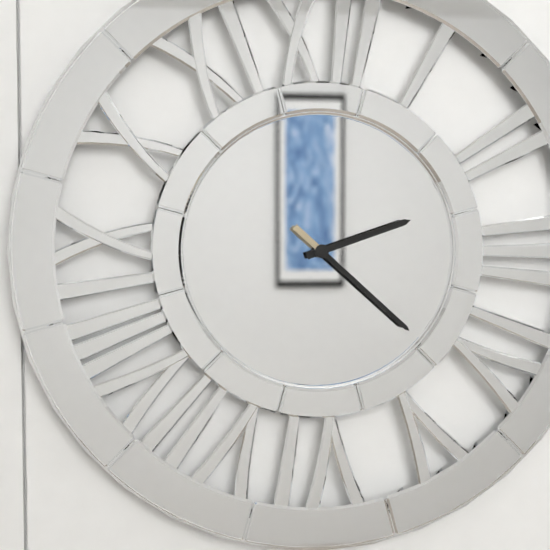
2.22
